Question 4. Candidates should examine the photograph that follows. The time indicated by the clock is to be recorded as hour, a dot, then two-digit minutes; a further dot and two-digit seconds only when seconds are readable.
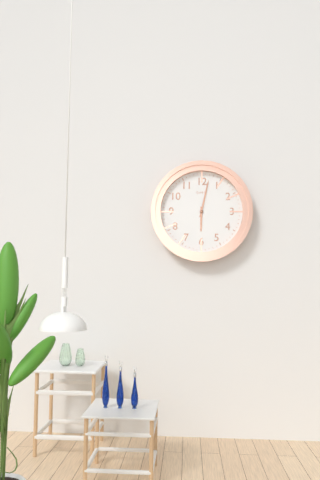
6.02
